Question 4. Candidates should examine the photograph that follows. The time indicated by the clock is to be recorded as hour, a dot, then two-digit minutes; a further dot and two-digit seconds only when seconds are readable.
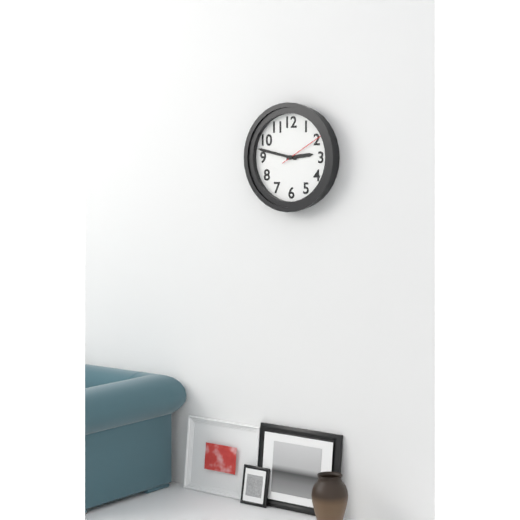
2.47.10
